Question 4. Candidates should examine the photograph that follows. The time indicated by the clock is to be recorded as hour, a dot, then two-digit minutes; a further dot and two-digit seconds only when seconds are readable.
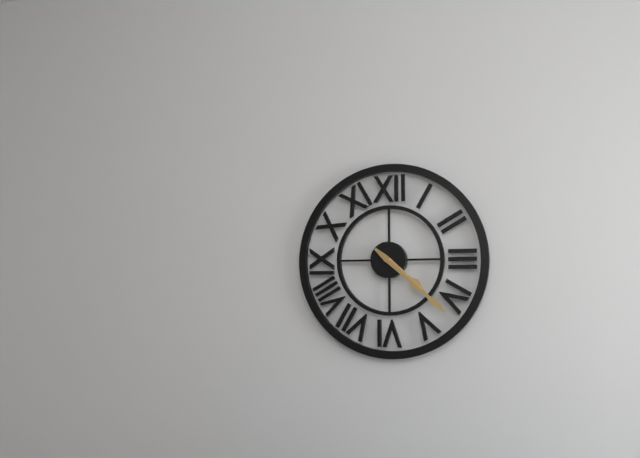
4.22
